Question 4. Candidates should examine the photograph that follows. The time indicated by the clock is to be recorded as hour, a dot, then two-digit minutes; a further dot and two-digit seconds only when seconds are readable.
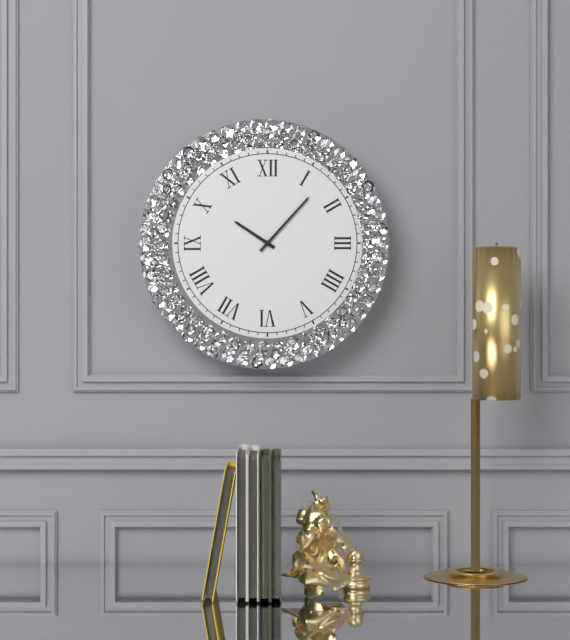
10.07
